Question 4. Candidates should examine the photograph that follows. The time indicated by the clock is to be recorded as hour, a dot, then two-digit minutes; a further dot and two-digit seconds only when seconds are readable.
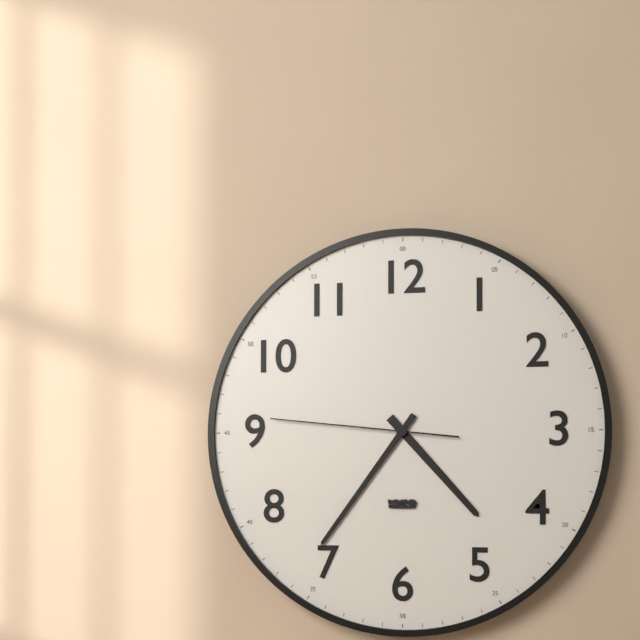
4.36.46
